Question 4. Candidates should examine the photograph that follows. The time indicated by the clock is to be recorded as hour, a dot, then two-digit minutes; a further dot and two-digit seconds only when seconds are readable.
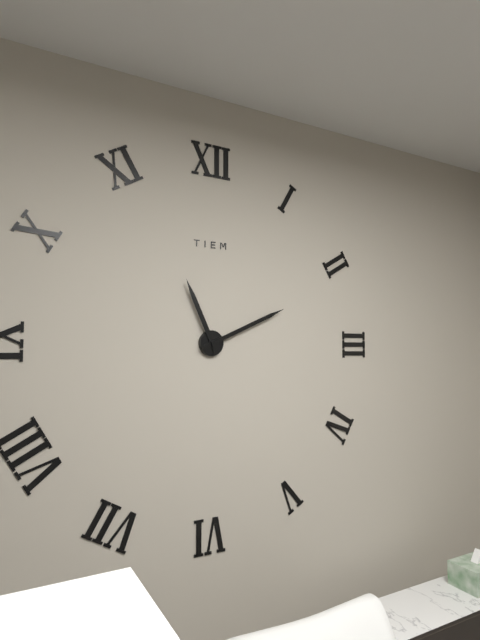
11.11
